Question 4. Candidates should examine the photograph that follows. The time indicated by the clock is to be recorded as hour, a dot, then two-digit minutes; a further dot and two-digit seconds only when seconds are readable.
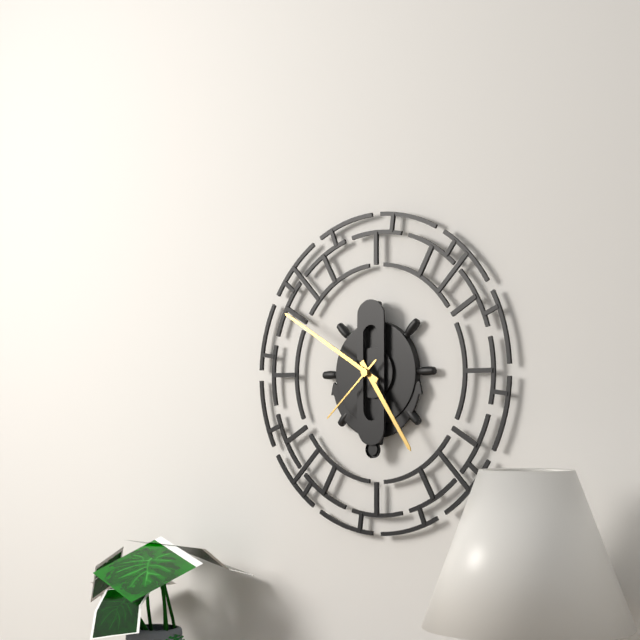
4.50.38
